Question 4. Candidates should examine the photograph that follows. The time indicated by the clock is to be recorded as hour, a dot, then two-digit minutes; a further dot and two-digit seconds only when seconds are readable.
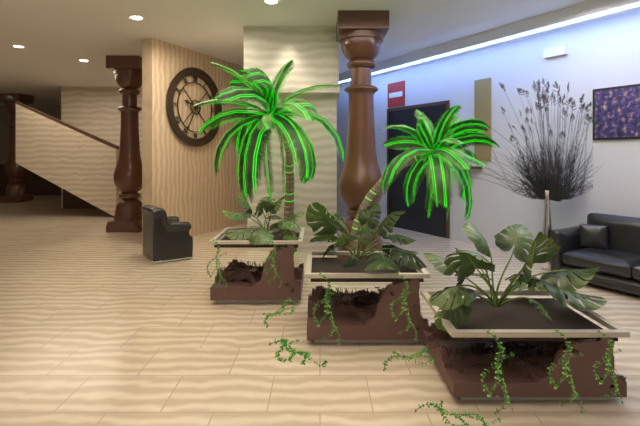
9.35
